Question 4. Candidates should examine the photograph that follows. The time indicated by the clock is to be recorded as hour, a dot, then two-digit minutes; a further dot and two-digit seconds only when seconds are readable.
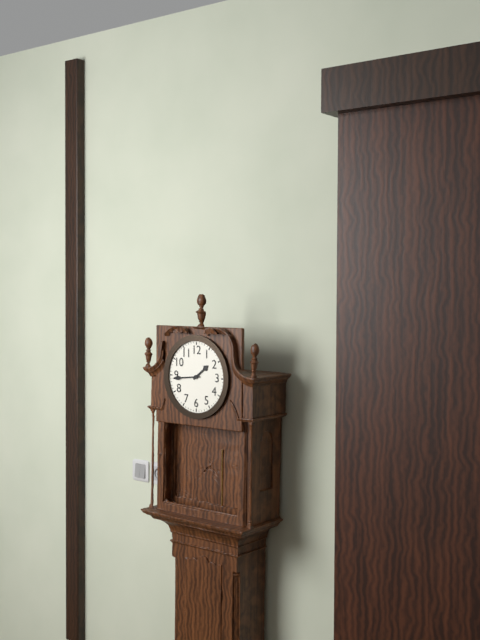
1.44
